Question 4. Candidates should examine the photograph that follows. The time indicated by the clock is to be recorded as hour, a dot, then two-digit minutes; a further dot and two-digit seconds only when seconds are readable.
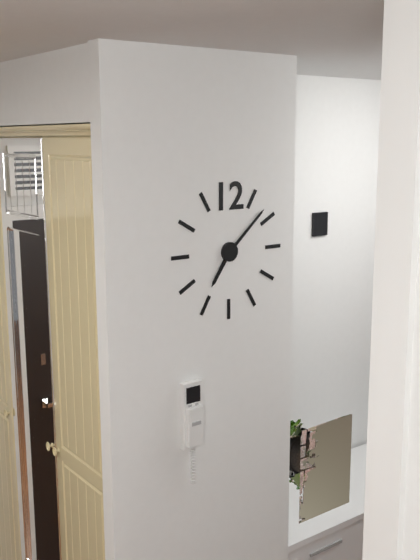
7.08
